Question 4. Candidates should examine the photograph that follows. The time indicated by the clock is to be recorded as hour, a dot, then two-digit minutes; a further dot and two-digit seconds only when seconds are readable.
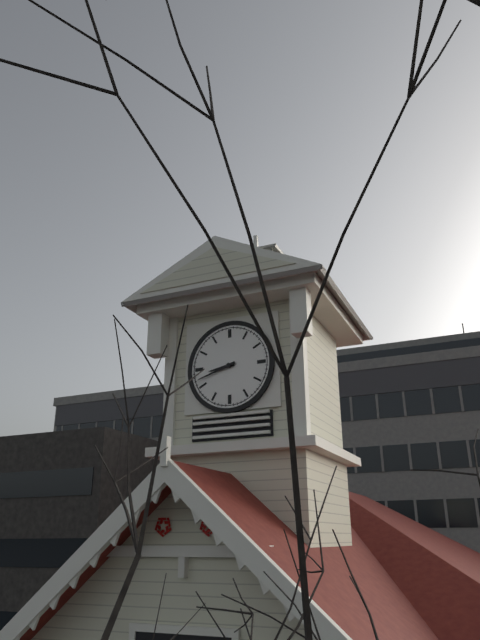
8.42
